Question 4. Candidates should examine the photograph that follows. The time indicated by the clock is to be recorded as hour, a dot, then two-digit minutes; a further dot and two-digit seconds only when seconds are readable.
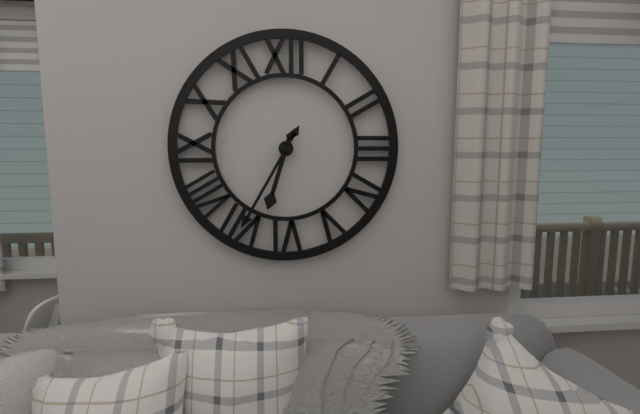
6.35
